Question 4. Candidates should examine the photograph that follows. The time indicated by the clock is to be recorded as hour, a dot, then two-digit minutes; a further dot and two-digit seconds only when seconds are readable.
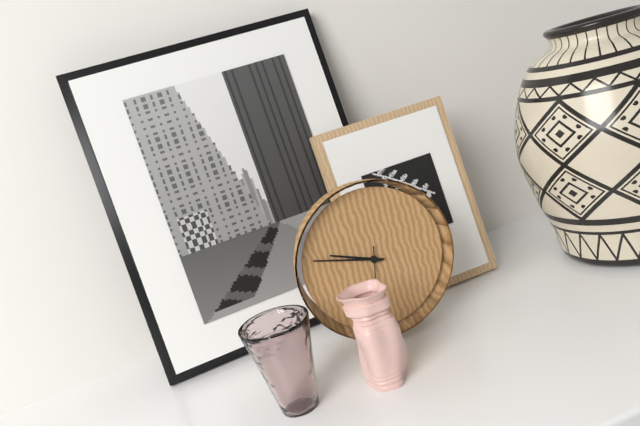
9.48
